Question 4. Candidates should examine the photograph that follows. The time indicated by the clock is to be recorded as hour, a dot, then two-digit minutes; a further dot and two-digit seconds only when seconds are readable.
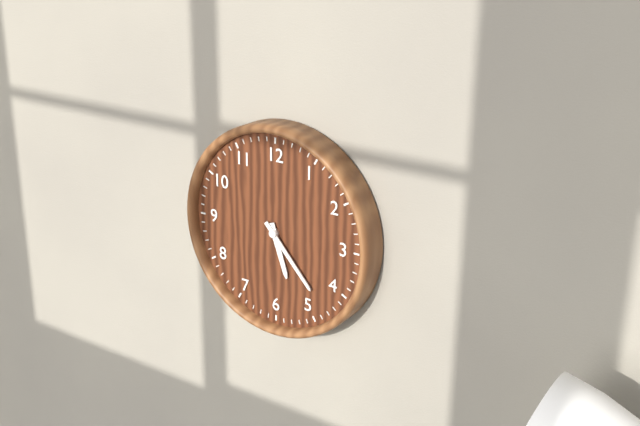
5.23
